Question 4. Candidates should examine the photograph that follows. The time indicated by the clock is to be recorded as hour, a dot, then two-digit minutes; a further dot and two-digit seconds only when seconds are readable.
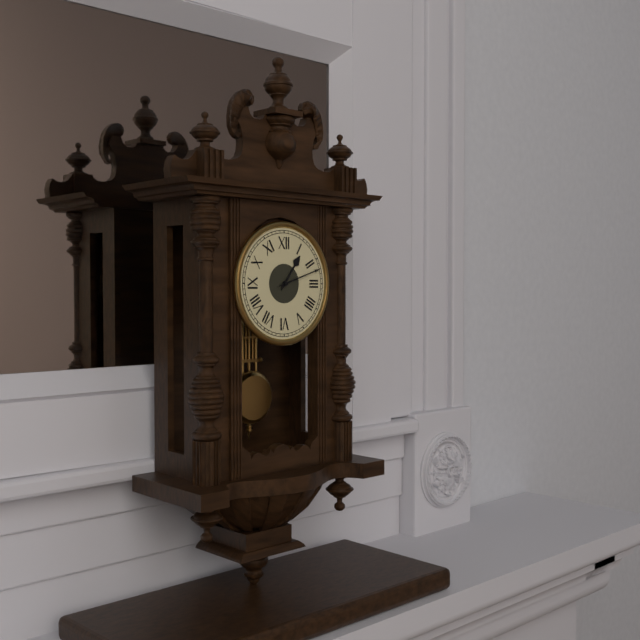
1.12
